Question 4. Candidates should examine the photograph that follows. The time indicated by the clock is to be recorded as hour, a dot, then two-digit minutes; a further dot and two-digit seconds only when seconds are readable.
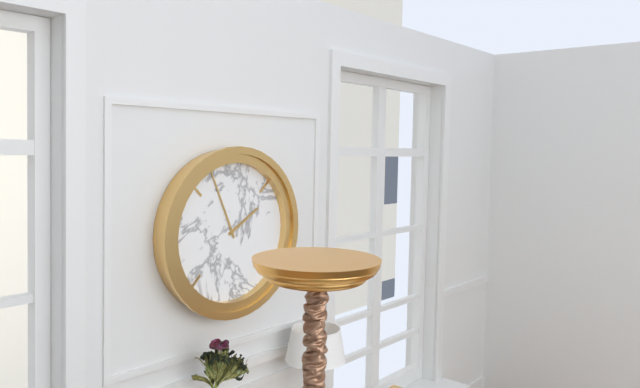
1.56
